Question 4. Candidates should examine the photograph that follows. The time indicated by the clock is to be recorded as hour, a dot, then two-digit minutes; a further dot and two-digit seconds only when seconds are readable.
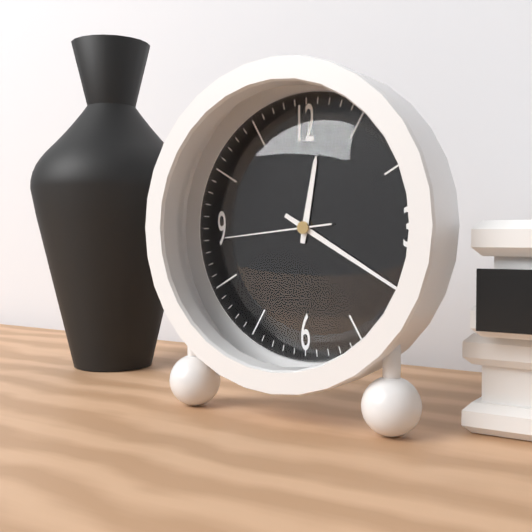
12.20.44
